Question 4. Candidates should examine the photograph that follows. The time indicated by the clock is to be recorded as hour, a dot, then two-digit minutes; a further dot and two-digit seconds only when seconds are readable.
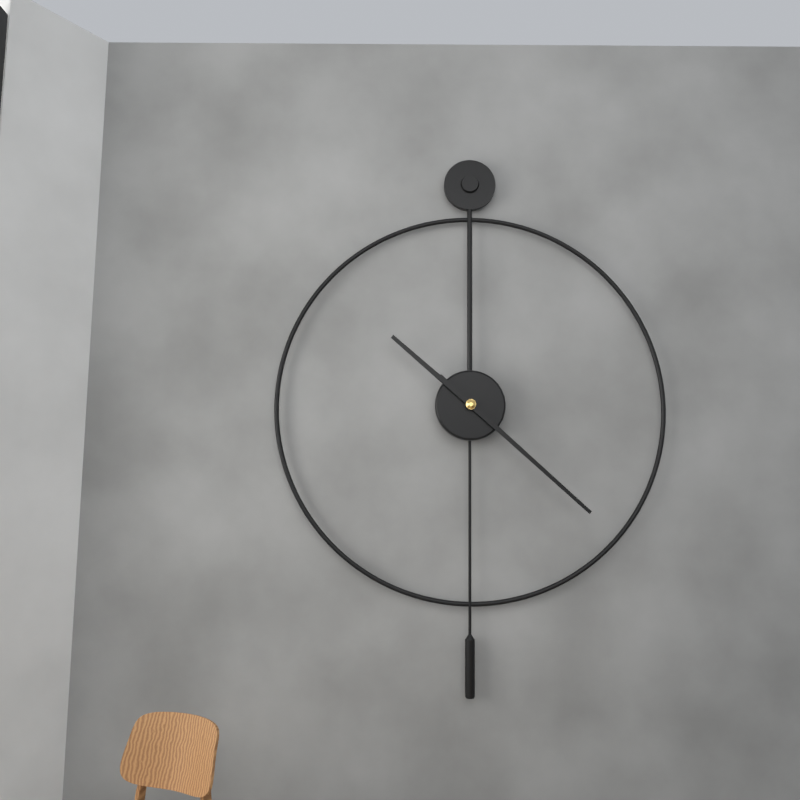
10.22
